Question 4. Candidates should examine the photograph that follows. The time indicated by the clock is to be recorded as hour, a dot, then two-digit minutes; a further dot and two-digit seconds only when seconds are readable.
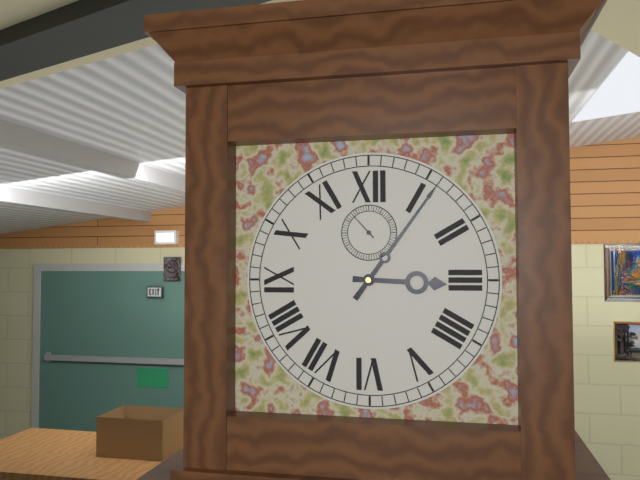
3.06
